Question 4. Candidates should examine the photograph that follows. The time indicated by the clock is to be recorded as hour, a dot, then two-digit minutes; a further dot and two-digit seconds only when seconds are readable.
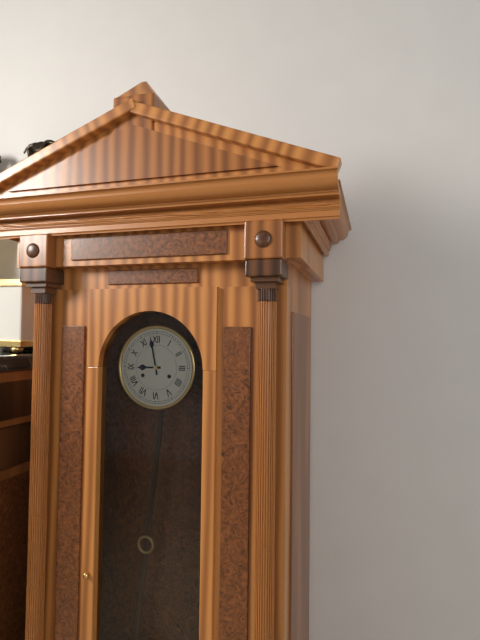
8.58
